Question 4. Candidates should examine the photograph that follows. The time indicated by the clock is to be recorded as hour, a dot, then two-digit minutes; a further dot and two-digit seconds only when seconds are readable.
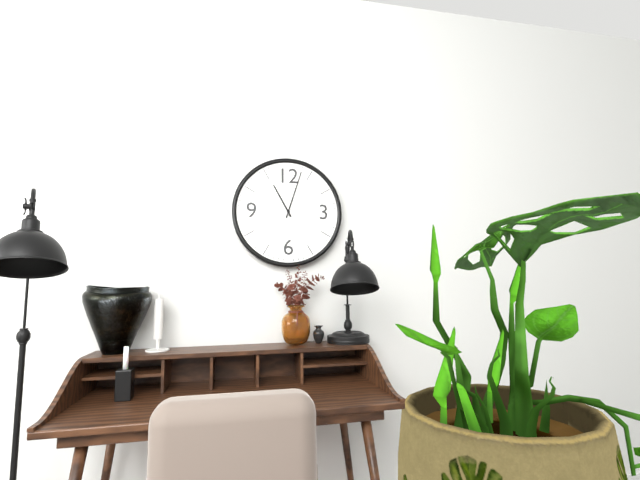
11.03
